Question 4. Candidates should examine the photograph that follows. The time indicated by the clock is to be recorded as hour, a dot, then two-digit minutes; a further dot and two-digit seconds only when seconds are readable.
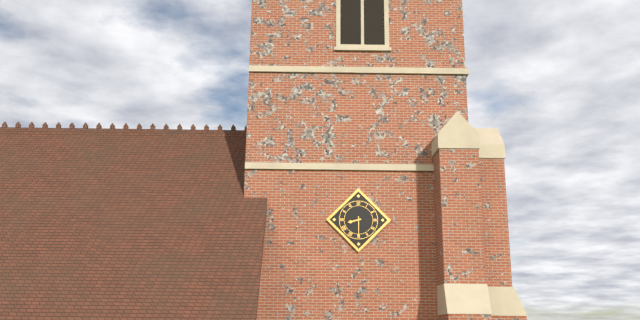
8.30
